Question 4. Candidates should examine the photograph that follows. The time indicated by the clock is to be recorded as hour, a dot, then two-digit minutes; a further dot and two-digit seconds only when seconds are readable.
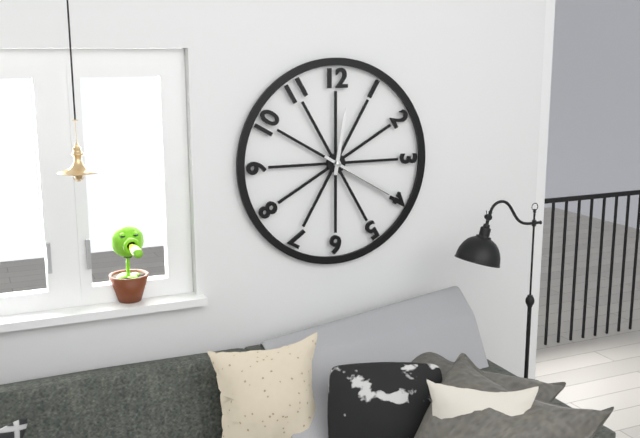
12.20
